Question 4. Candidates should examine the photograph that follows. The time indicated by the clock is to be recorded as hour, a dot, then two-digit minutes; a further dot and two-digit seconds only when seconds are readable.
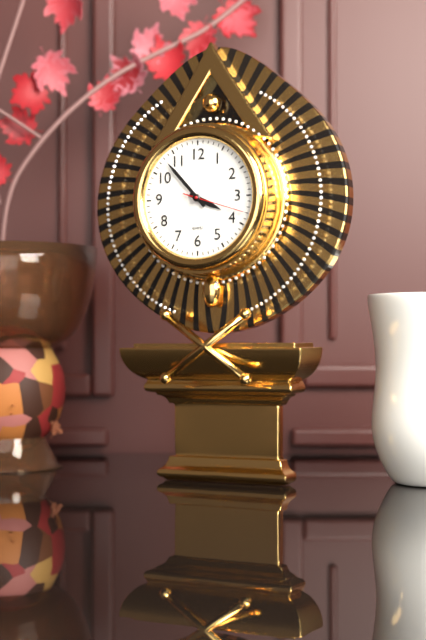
3.53.18
